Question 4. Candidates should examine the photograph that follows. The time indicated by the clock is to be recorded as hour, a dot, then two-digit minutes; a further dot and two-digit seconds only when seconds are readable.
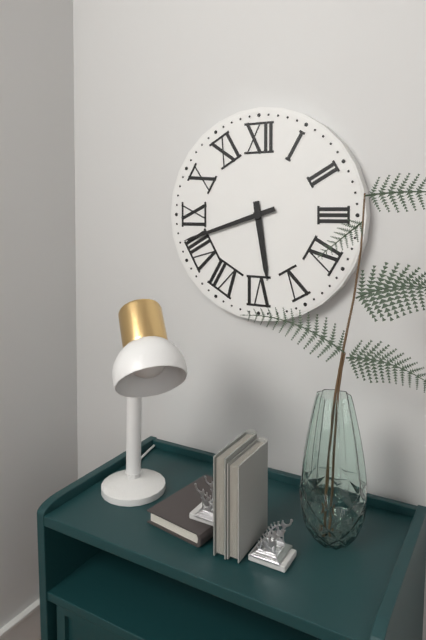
5.42
